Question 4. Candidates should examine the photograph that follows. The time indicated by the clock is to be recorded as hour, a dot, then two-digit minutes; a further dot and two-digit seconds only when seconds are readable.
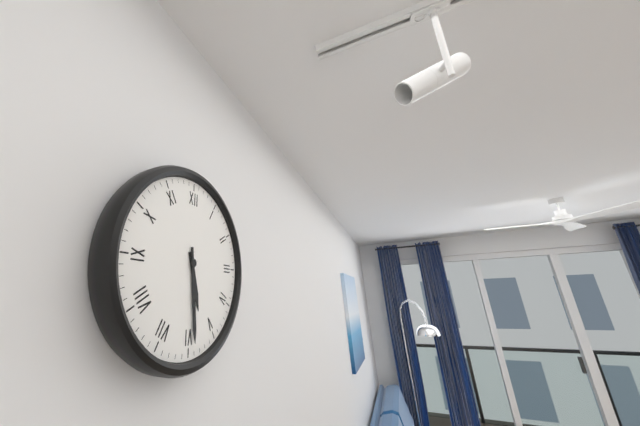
5.29
